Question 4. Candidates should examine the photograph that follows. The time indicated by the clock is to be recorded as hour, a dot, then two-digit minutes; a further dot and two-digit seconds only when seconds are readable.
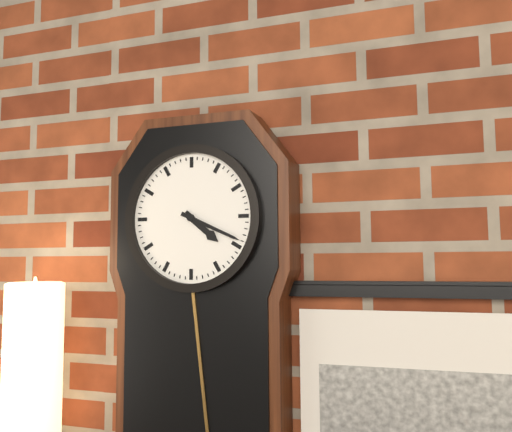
4.19
